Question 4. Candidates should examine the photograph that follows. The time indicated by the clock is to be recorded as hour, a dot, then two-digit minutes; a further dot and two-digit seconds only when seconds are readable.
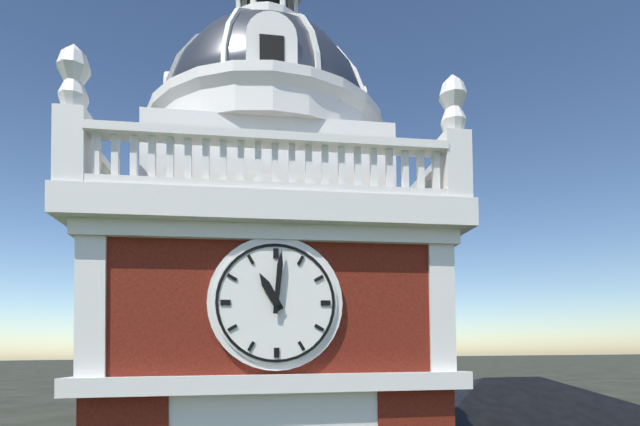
11.01
